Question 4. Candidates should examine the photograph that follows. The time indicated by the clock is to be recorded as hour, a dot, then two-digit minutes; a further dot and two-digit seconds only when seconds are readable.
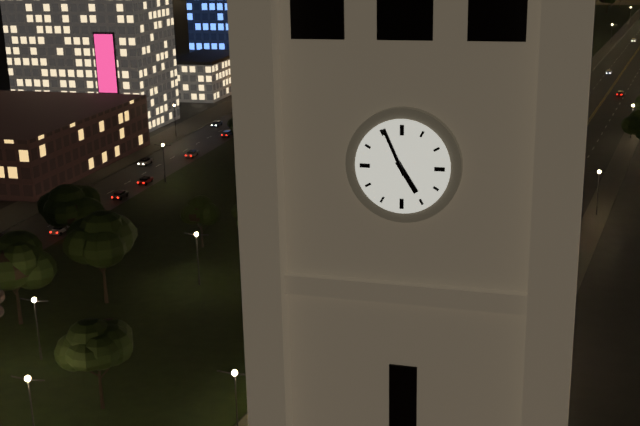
4.56
